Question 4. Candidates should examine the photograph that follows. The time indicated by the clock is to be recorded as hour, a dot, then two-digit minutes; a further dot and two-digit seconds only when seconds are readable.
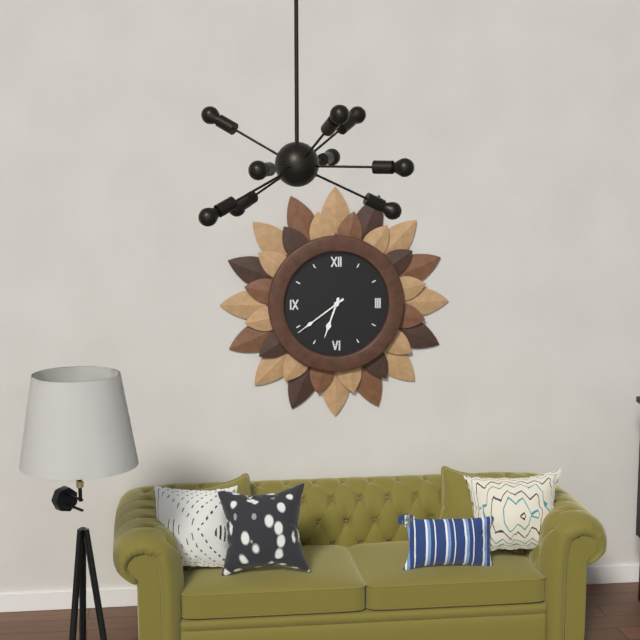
6.39
